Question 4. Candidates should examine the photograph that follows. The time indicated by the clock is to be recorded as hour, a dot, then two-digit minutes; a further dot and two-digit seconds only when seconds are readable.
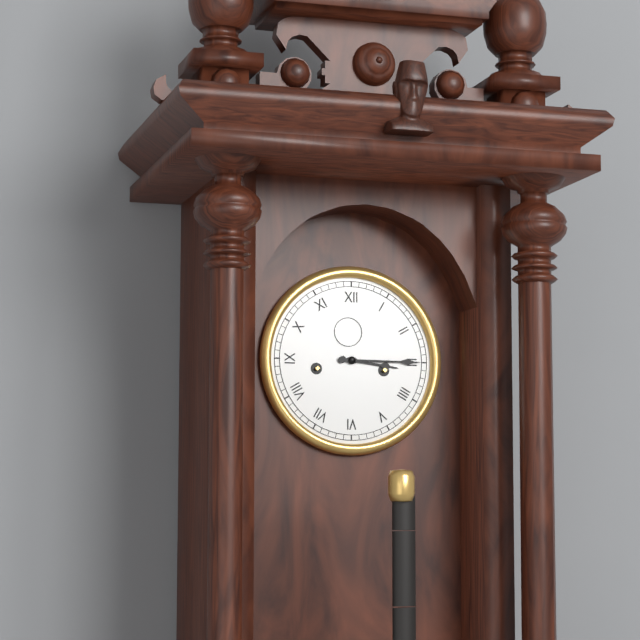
3.15
